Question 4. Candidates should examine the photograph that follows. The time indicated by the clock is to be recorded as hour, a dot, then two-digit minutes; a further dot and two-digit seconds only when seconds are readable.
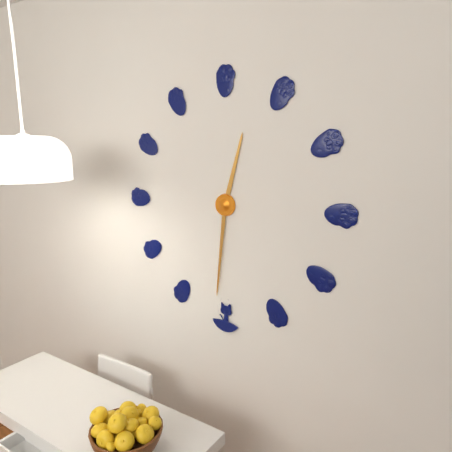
12.31
